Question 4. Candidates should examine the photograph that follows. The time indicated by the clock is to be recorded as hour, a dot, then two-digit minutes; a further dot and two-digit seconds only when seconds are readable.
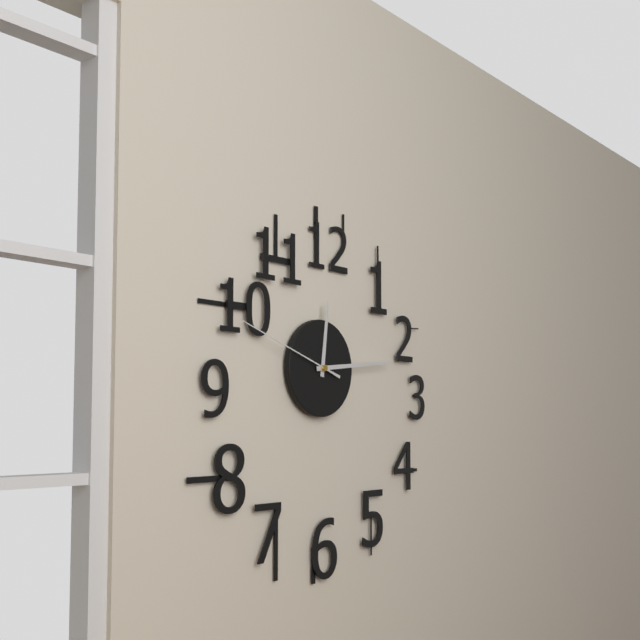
12.14.48
